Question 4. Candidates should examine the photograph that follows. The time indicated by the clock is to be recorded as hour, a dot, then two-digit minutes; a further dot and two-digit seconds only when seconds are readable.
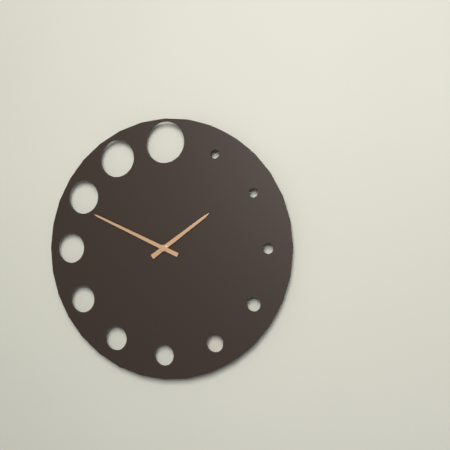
1.49
